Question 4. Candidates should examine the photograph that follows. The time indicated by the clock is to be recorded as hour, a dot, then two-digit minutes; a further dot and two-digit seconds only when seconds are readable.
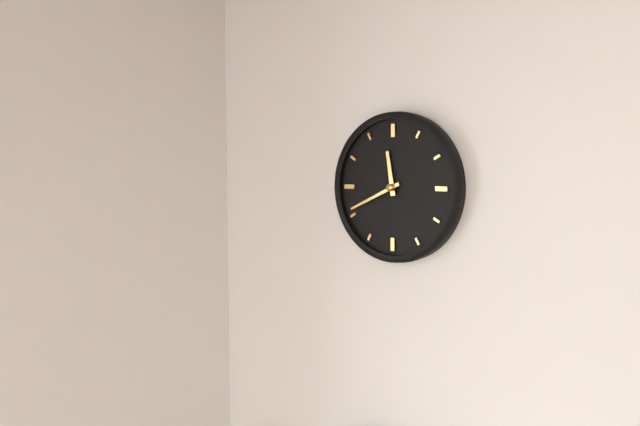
11.41
